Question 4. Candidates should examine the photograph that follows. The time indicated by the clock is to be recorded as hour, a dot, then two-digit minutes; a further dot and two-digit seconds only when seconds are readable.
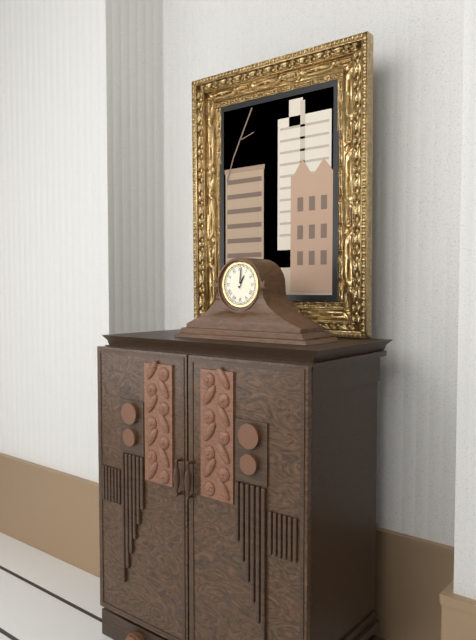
1.01
